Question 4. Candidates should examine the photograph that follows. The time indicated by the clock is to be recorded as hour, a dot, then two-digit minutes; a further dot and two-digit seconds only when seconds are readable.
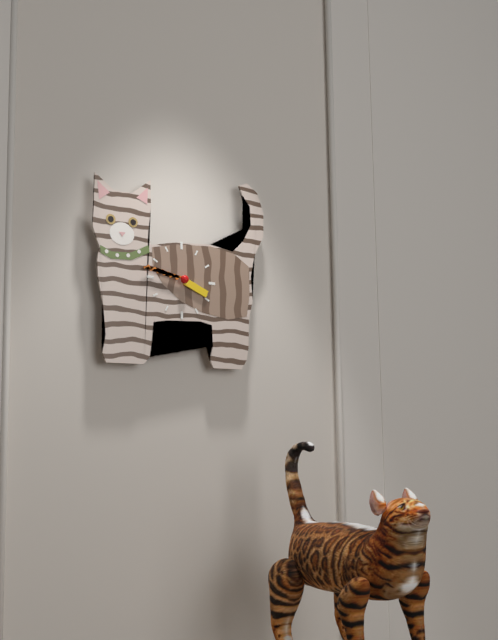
3.47
